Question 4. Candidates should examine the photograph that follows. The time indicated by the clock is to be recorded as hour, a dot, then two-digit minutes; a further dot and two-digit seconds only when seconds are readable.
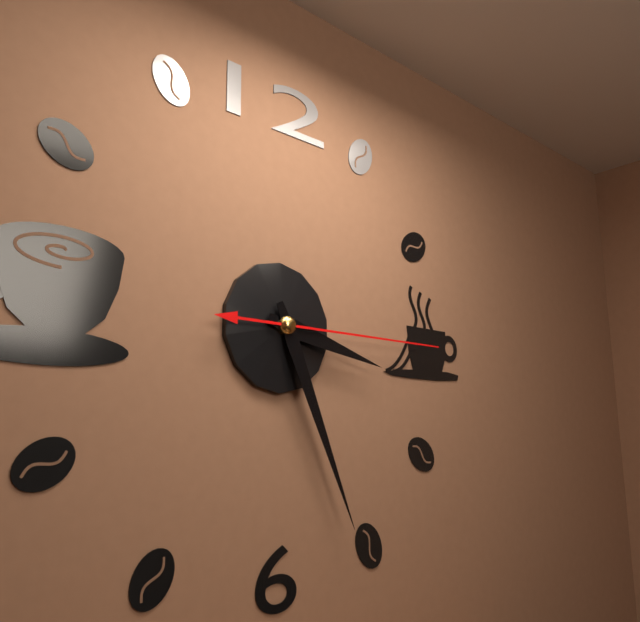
3.26.15
